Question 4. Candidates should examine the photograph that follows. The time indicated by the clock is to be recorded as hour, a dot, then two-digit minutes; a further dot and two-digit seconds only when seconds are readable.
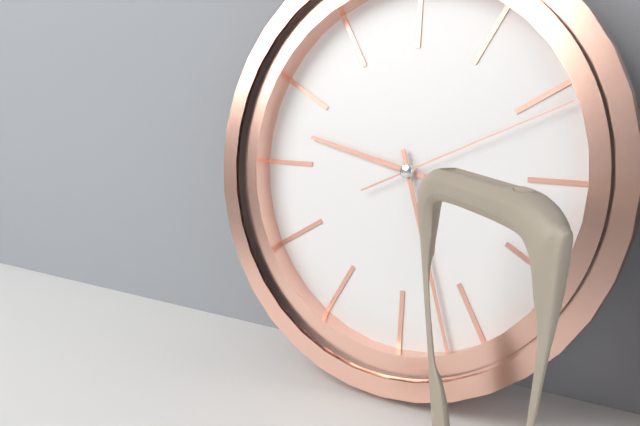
9.27.11
